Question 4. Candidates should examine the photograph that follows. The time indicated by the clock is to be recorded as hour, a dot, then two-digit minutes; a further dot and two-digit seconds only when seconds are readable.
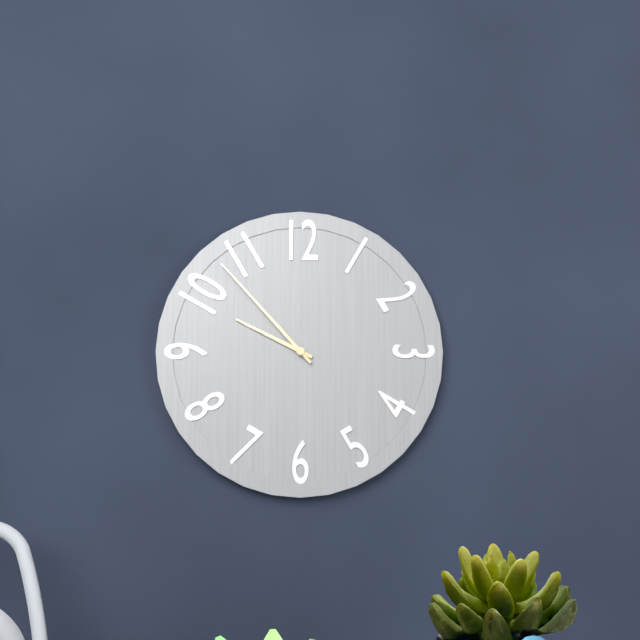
9.53
